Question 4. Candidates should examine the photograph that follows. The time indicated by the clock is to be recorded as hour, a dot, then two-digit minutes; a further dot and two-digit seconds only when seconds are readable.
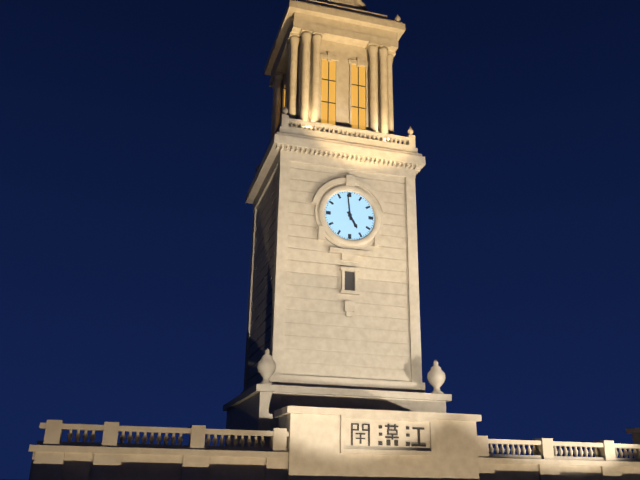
4.59
